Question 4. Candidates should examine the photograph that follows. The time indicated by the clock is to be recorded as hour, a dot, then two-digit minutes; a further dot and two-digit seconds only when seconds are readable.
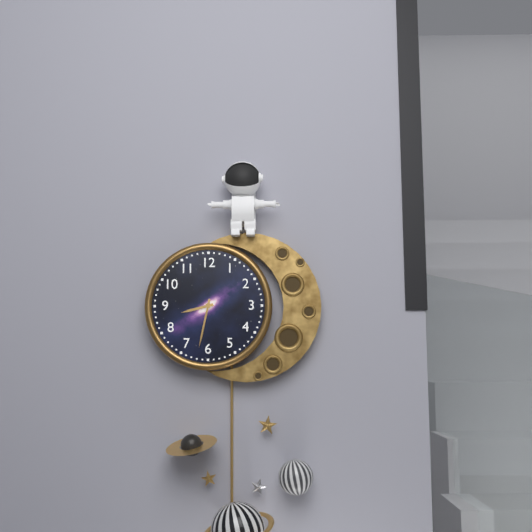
8.32
